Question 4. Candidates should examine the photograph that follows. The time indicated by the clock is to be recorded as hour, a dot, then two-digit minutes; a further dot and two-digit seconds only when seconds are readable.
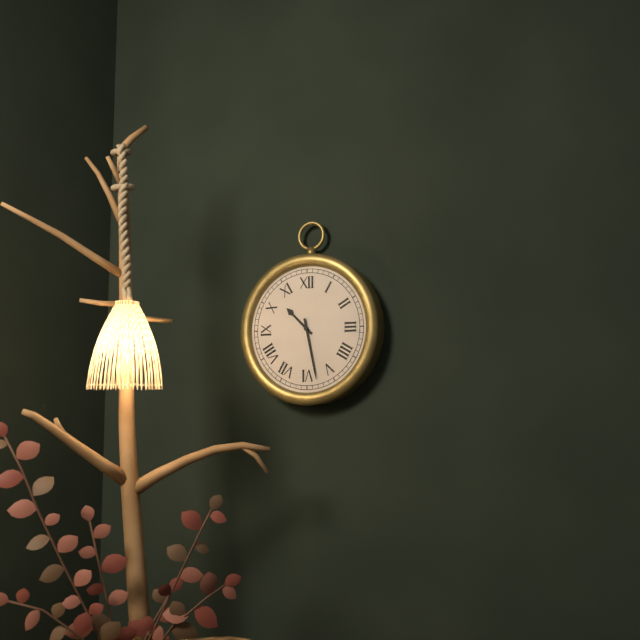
10.28
